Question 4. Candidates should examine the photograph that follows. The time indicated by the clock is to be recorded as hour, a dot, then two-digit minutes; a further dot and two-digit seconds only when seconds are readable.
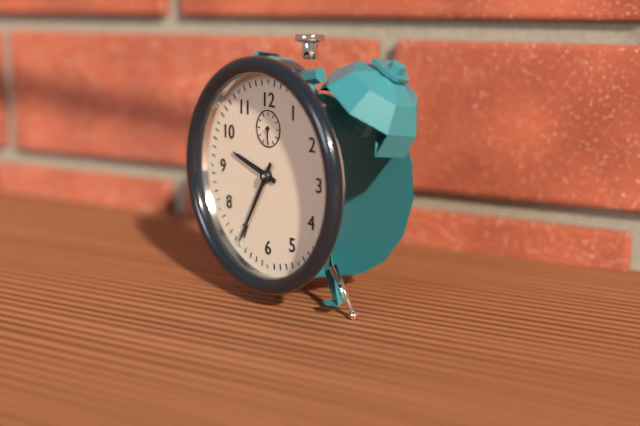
9.35
